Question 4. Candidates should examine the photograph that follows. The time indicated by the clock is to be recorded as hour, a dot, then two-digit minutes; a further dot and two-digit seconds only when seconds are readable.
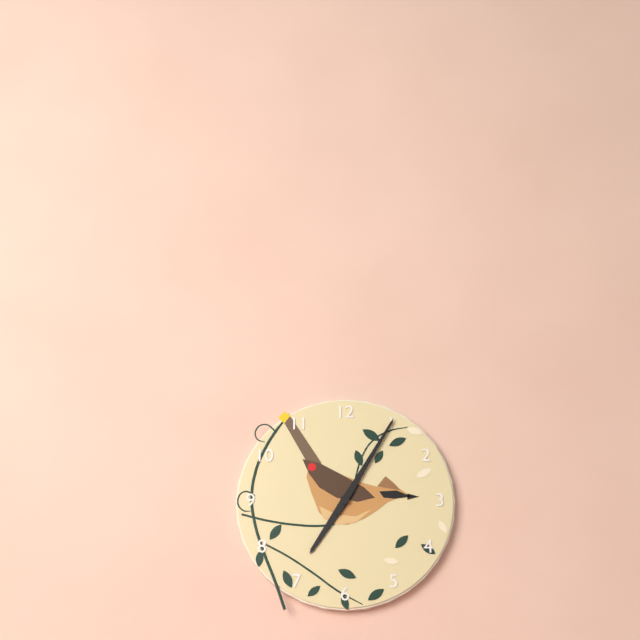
7.05
